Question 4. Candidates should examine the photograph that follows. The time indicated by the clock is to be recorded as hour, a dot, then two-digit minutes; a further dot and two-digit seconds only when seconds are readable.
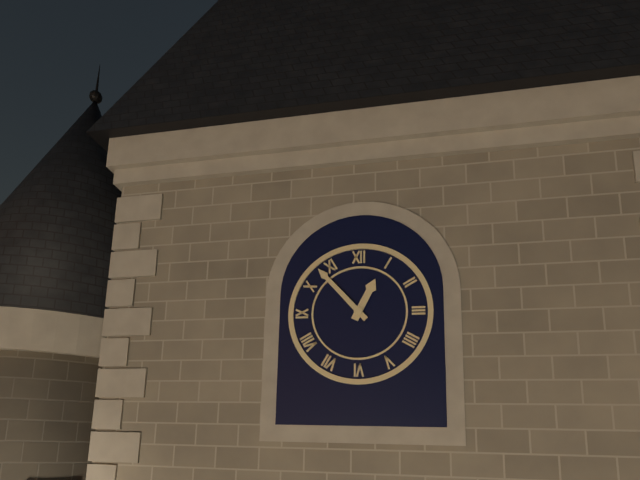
12.53
